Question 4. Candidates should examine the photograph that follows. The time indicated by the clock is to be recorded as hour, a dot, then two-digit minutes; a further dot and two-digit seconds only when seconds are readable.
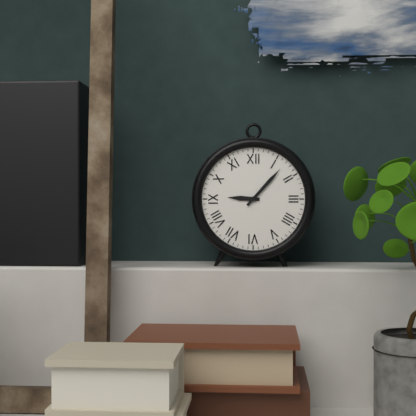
9.07
